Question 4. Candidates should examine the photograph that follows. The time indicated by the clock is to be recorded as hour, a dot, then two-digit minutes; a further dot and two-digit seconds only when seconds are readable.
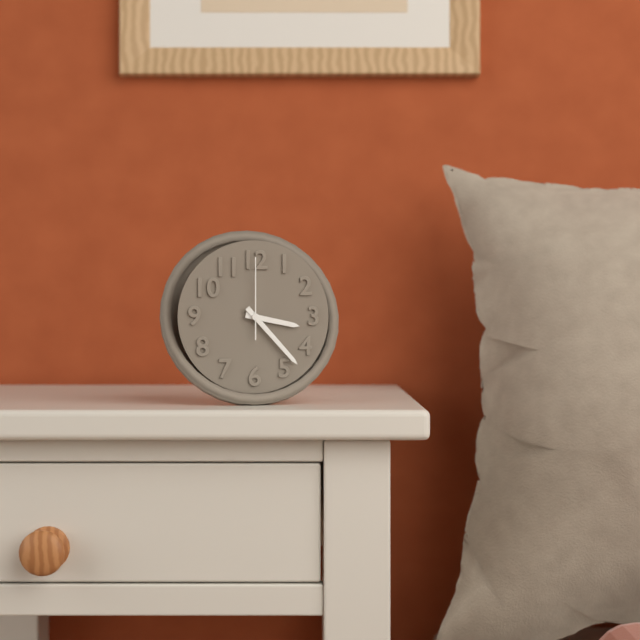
3.23.00
